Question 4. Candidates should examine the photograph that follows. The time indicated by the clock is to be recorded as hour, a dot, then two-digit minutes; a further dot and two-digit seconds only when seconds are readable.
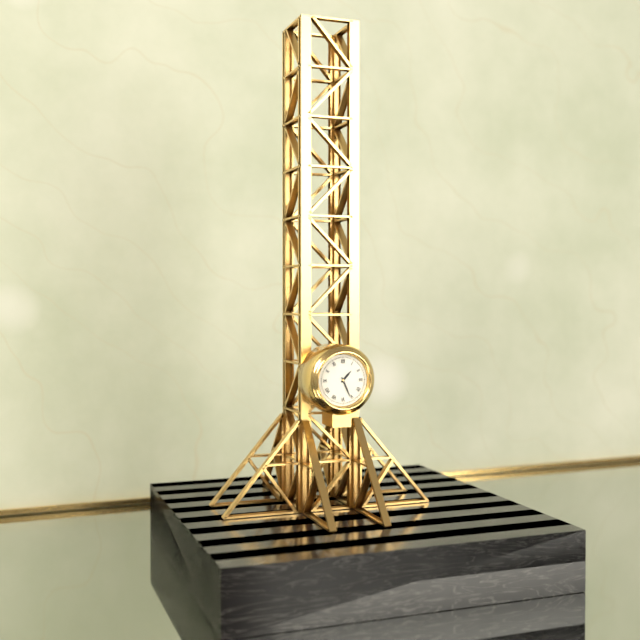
1.26
